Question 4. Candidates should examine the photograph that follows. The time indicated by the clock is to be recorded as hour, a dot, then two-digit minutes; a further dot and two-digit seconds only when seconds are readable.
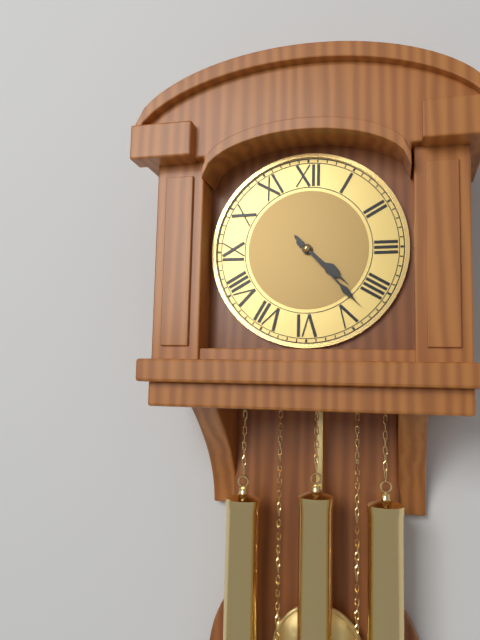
4.23
